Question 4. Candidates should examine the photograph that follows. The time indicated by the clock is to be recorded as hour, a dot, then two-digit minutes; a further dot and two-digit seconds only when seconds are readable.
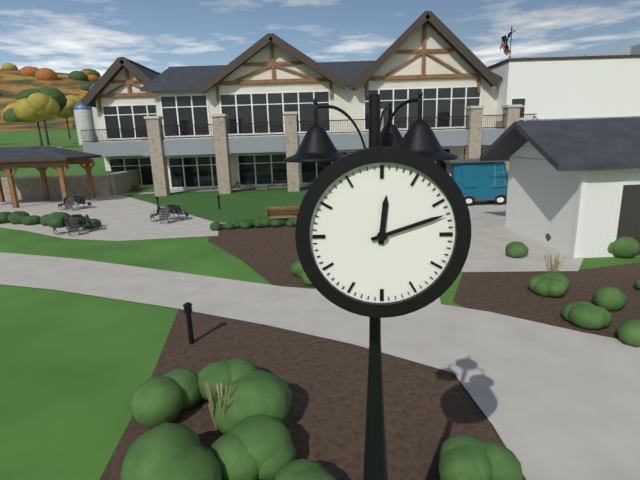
12.12
